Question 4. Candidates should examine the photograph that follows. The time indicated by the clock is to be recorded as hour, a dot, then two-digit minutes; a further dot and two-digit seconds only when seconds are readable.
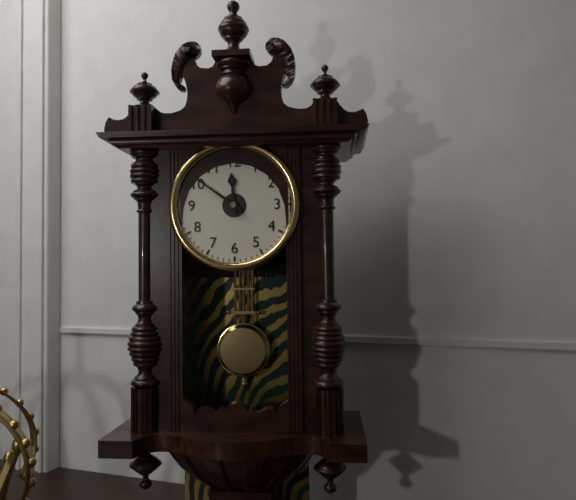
11.51
